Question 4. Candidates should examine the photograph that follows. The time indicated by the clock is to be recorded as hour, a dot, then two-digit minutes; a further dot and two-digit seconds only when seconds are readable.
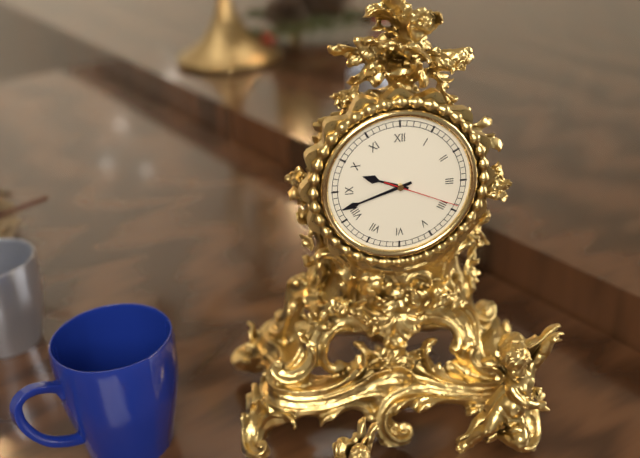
9.42.19
